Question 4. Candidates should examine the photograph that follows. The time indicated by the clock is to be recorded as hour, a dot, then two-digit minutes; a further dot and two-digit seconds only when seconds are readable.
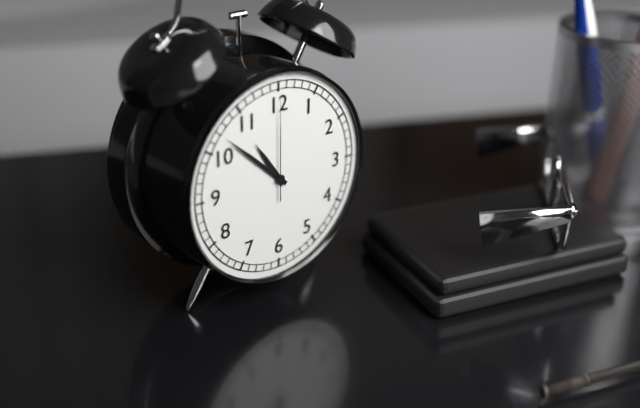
10.52.00
